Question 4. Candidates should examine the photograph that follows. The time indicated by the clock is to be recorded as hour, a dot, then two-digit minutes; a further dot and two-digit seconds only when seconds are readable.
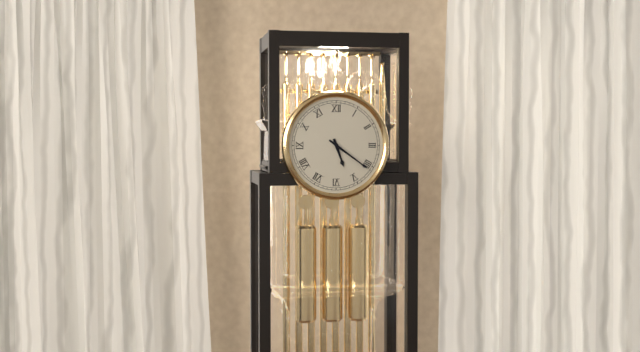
5.21
